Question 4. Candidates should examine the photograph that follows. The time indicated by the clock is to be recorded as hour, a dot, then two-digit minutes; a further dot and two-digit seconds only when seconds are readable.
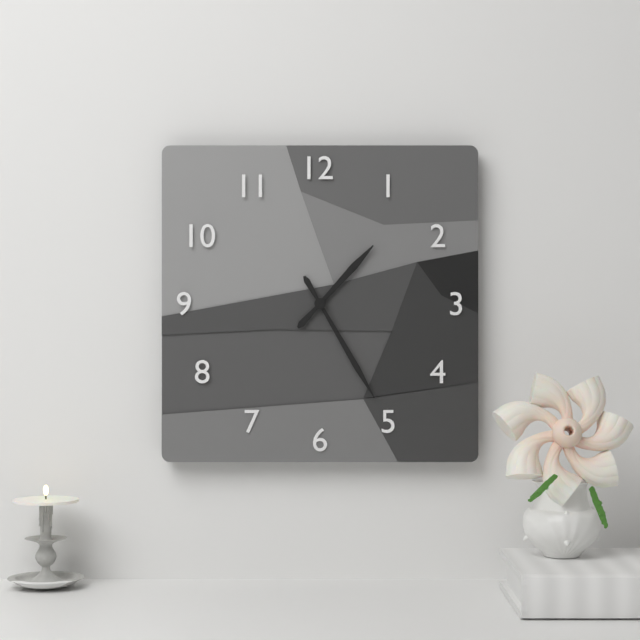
1.25
